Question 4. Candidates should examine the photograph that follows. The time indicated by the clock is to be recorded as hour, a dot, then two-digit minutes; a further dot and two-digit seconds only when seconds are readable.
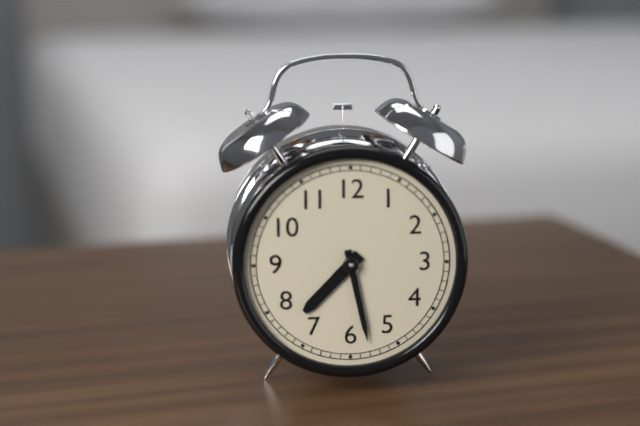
7.28
